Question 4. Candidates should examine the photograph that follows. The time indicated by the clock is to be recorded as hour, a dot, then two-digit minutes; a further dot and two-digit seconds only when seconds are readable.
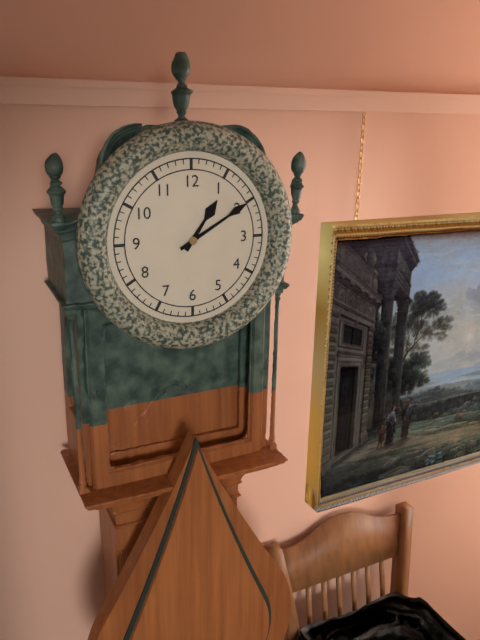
1.10
